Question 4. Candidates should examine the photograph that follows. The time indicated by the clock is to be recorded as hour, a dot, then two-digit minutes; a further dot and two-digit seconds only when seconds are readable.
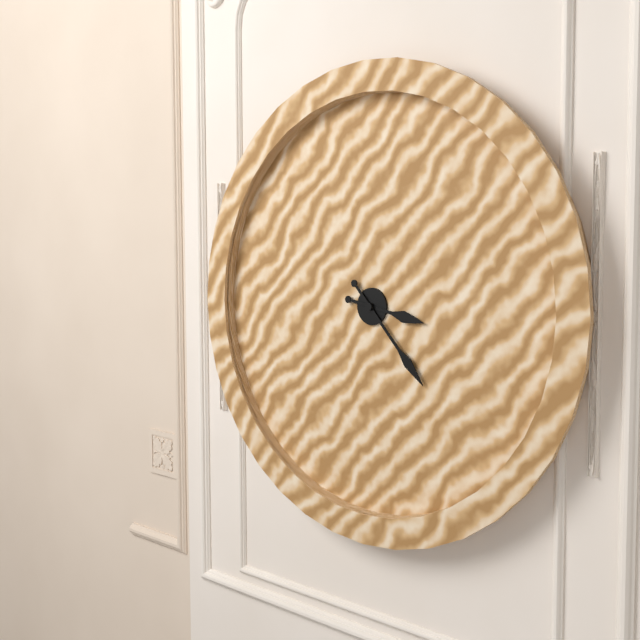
3.23
